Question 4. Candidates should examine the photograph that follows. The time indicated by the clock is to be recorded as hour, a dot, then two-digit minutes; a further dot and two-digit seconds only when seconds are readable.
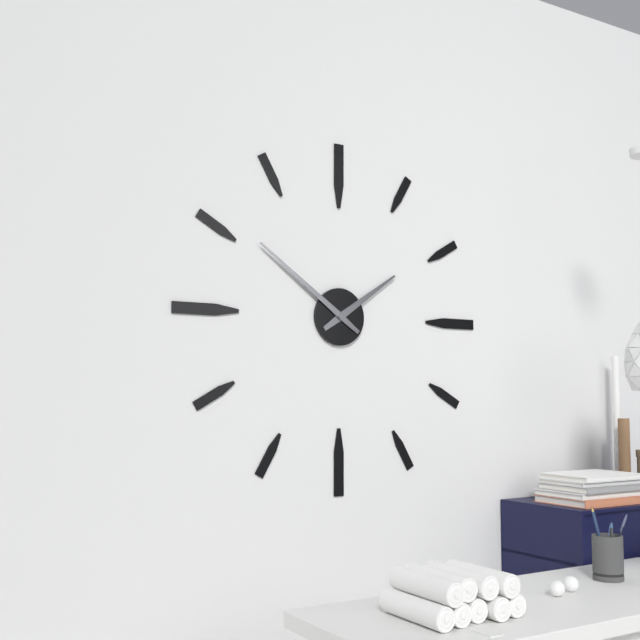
1.51
